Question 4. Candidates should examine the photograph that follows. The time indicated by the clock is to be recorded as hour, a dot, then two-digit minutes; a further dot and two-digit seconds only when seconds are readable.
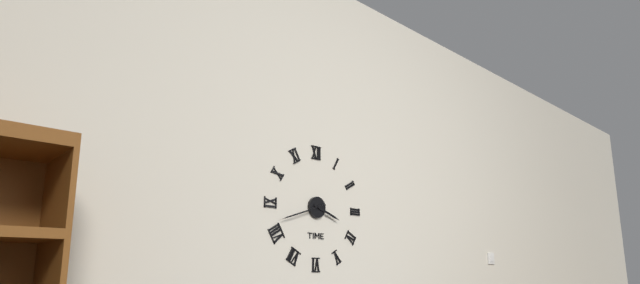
3.42
